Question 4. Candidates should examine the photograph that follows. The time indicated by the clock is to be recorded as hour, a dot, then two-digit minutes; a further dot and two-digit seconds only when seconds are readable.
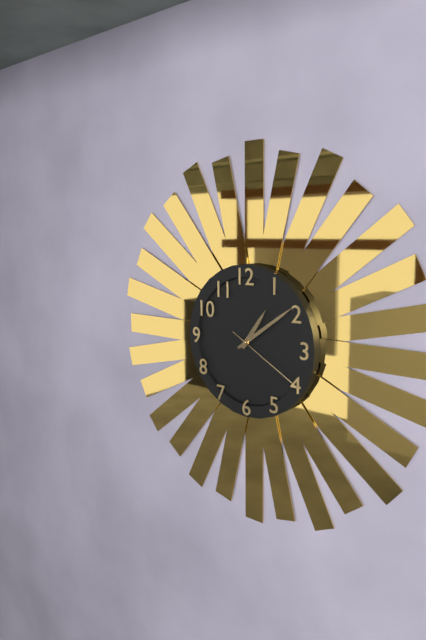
1.09.20
